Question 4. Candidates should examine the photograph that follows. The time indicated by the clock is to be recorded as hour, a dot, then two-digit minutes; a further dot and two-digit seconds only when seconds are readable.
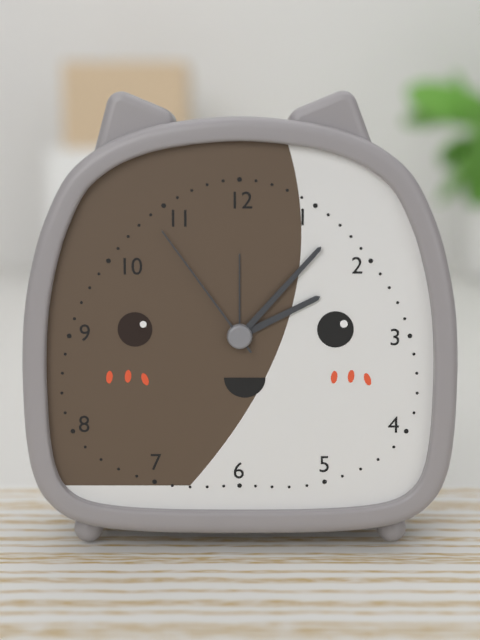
2.07.54
